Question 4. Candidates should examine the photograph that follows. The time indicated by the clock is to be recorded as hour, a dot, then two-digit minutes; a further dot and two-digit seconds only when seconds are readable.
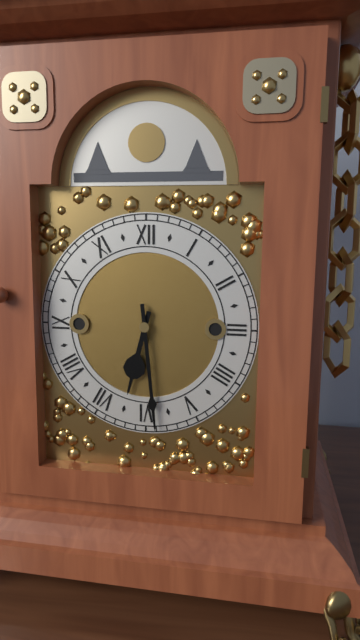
6.29
